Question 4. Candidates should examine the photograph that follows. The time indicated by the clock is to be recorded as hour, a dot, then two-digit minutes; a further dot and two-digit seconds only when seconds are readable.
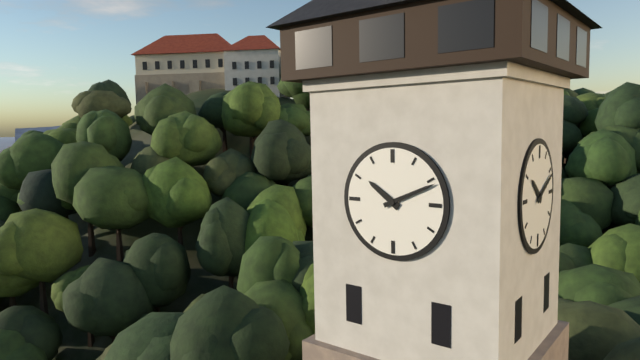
10.11
